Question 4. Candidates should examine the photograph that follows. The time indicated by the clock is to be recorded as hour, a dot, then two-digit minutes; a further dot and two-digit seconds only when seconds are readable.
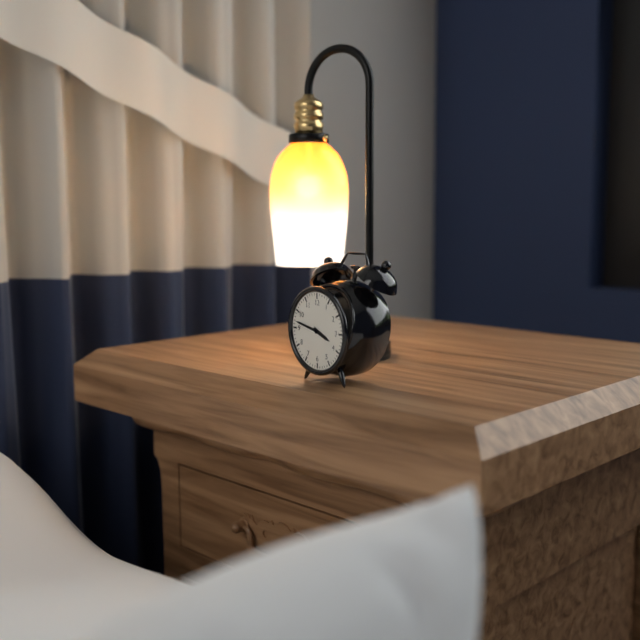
3.47
